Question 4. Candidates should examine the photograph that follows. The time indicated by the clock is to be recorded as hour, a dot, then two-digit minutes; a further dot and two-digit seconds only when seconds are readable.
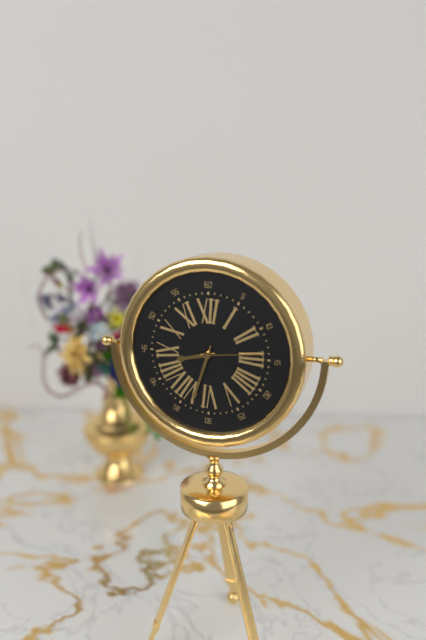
8.33.14
